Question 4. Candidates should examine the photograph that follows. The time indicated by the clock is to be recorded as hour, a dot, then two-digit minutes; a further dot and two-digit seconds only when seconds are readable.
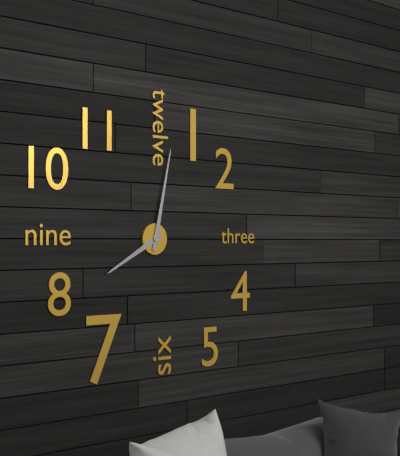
8.02
